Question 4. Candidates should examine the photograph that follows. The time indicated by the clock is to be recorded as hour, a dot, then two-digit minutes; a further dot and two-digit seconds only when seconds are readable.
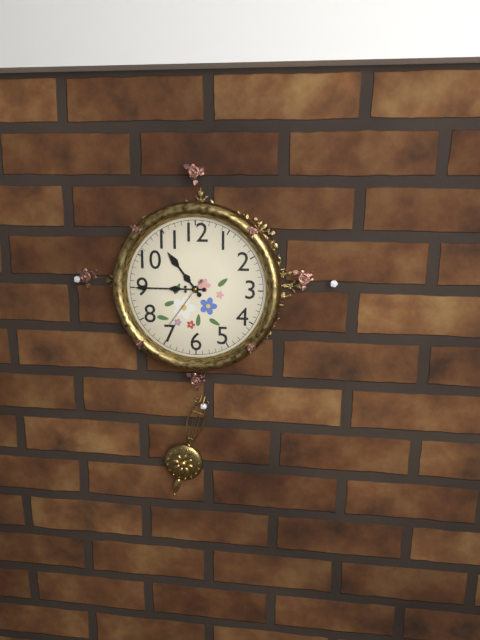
10.45.36
